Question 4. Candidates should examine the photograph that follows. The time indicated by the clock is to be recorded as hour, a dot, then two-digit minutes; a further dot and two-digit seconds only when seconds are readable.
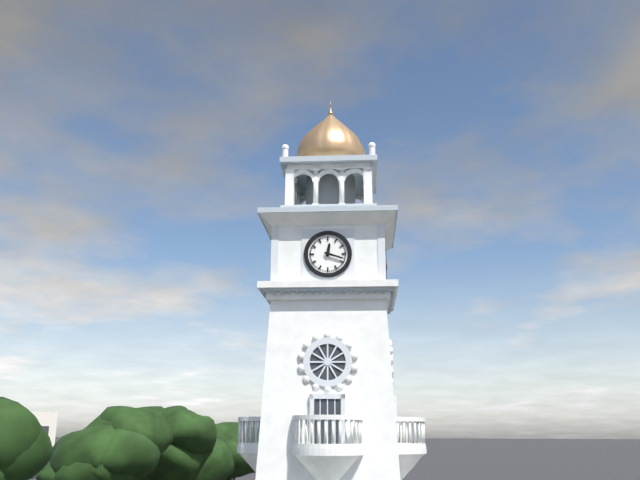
12.18
